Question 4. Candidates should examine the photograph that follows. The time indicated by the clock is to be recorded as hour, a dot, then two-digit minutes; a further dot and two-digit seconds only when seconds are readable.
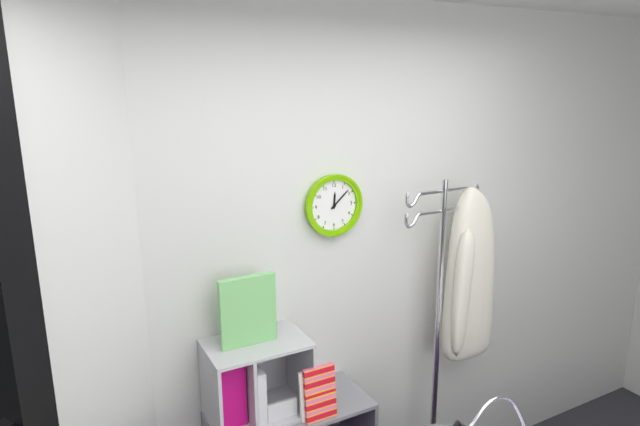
12.08
